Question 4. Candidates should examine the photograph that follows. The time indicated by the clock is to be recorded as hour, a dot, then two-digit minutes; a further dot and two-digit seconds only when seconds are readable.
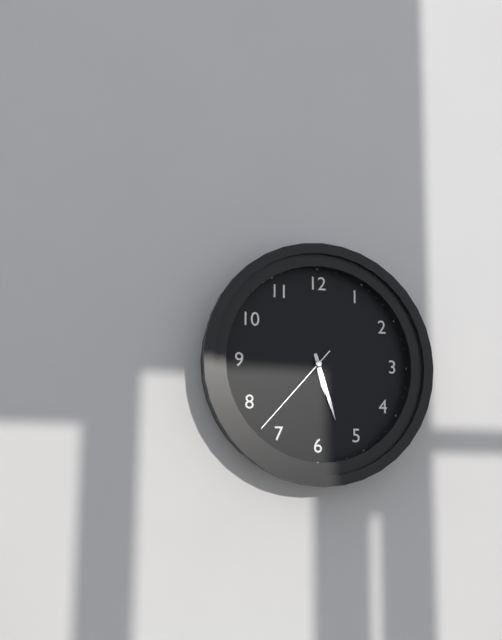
5.27.37
